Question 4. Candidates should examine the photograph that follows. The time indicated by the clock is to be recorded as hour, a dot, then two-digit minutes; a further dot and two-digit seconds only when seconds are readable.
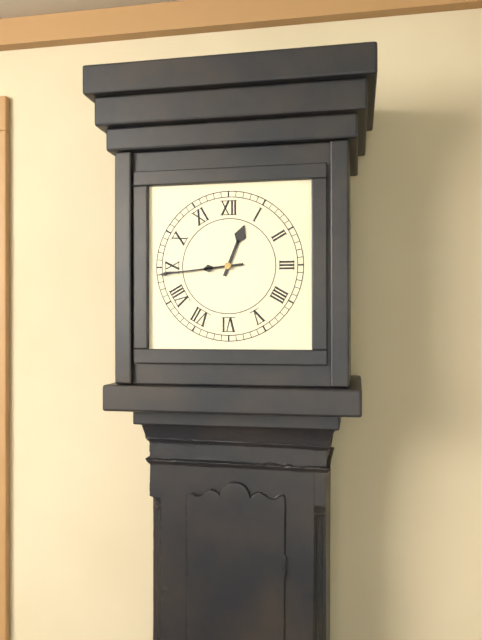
12.44
